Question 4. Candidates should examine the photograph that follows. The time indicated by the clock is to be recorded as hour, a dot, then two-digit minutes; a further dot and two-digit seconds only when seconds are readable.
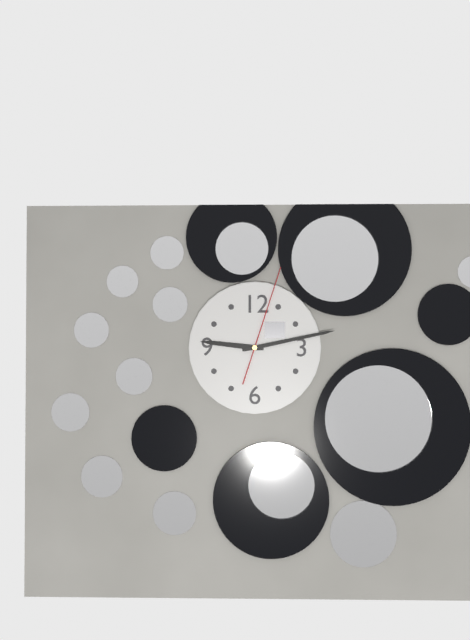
9.13.03
